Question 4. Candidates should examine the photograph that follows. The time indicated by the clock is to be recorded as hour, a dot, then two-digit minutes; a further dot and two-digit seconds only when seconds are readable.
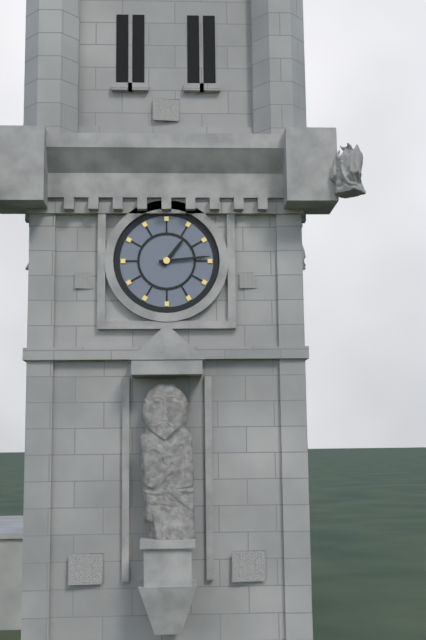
1.14
